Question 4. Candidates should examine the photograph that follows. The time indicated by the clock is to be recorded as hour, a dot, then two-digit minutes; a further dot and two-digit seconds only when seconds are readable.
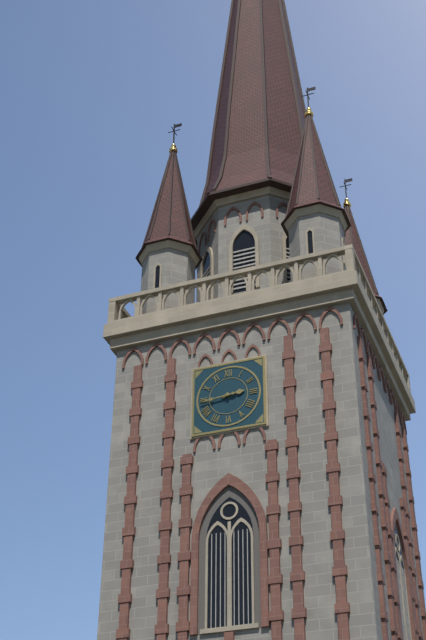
2.44
